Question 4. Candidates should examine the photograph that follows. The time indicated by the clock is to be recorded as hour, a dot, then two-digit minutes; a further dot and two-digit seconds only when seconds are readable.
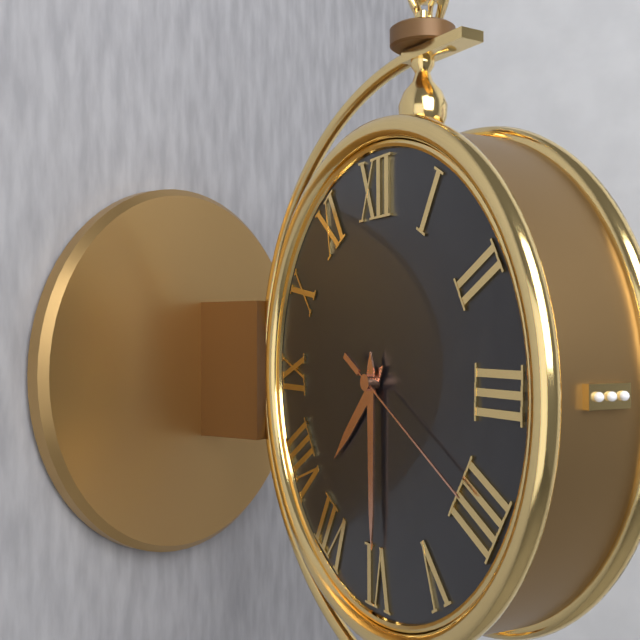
7.30.20
